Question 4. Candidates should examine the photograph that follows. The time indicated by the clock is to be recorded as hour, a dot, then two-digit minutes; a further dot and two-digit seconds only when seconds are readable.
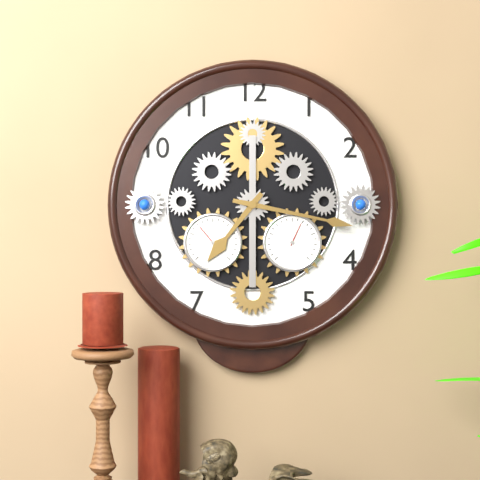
7.17
